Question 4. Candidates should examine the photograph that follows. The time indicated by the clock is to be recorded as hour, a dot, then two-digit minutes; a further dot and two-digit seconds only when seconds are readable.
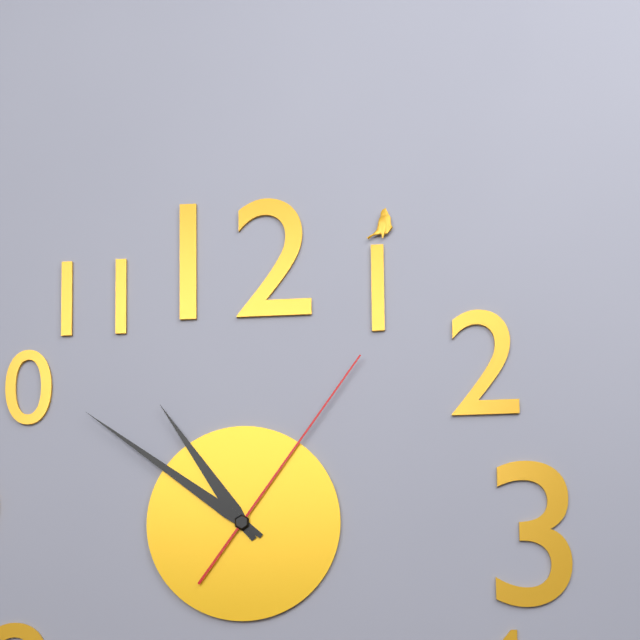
10.51.06
